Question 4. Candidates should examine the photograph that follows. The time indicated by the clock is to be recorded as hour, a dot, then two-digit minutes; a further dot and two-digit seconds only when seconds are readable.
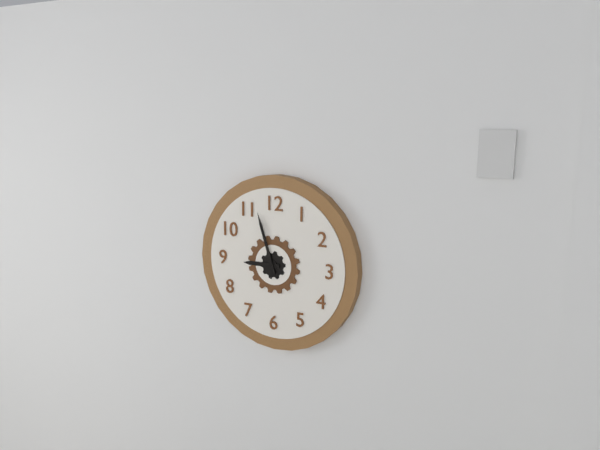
8.57
